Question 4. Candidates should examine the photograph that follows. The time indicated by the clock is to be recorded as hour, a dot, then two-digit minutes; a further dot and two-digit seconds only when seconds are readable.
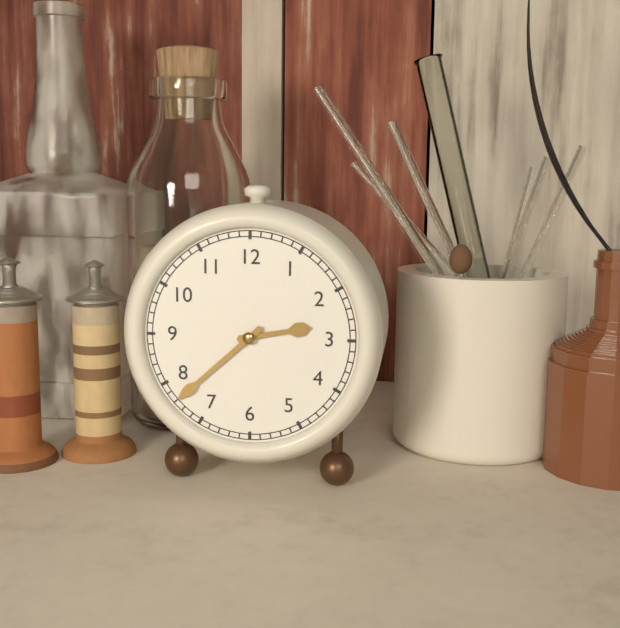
2.38
